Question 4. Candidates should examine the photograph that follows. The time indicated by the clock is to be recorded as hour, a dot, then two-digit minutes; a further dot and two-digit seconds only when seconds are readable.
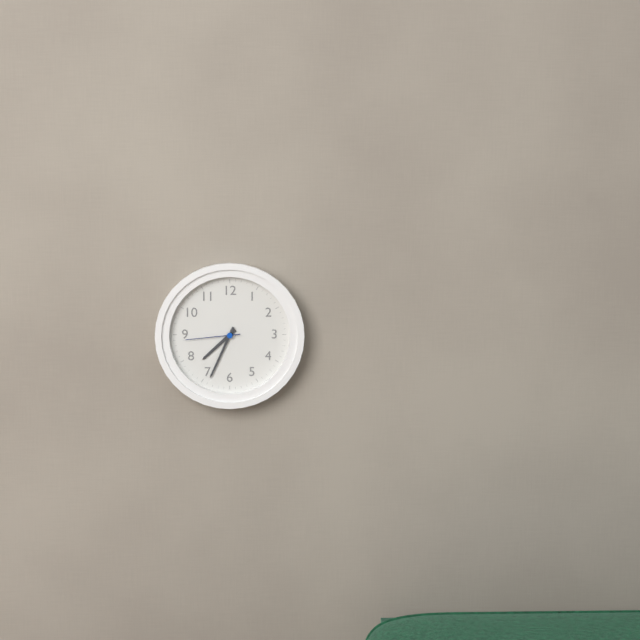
7.34.44
